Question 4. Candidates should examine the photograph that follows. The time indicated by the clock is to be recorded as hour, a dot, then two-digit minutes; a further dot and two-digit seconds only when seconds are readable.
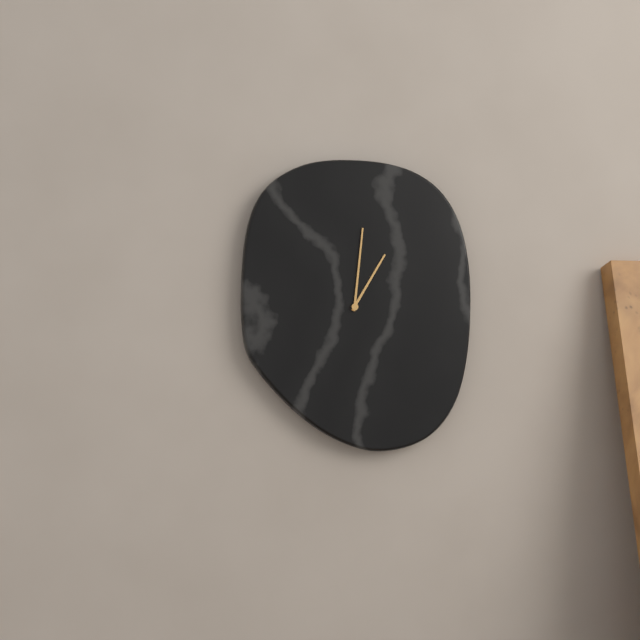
1.01
